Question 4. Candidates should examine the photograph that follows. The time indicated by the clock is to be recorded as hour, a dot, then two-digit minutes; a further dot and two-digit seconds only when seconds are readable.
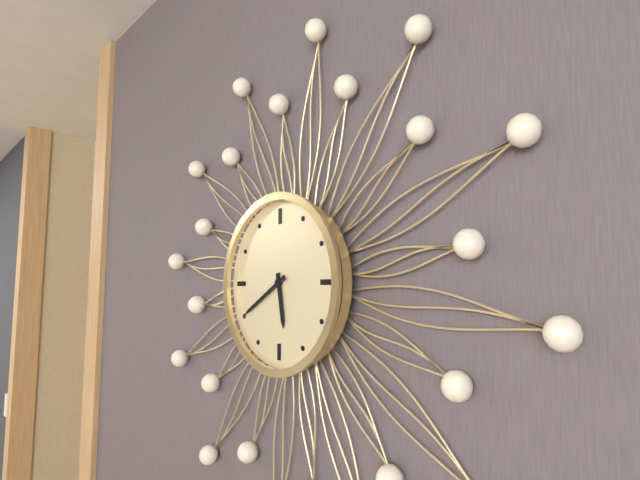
5.40
